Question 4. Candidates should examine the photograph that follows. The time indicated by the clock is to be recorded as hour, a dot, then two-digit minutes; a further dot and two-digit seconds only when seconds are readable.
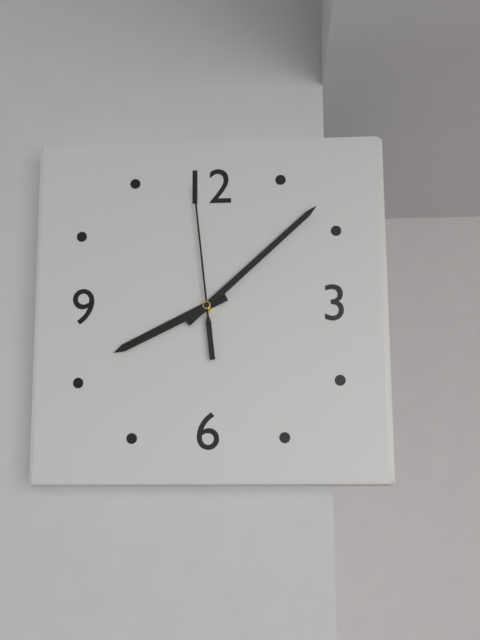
8.08.59
